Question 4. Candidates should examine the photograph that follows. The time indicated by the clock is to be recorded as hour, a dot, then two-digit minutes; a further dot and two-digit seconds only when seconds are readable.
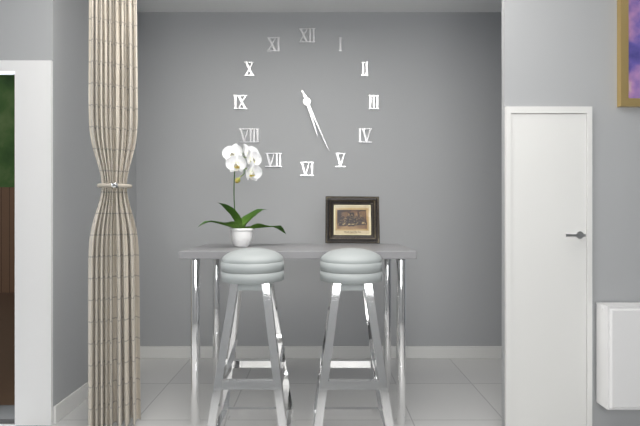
5.26
